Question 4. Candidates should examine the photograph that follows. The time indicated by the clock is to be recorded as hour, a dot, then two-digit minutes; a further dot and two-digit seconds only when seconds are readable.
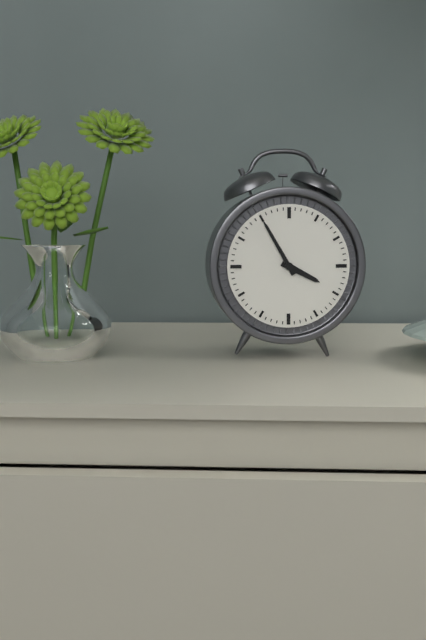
3.55
